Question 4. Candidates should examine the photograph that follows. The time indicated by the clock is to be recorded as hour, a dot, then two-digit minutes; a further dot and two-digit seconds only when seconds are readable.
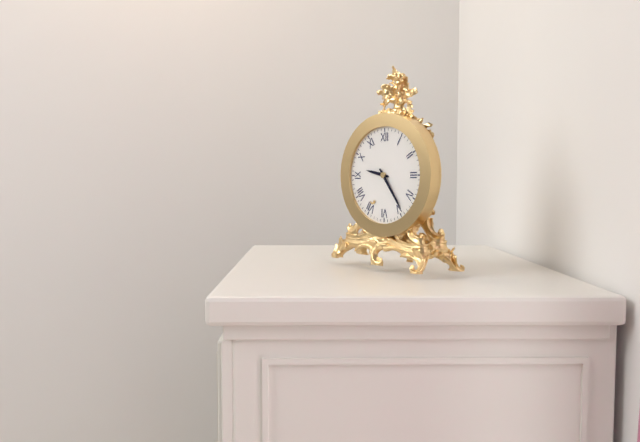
9.24
